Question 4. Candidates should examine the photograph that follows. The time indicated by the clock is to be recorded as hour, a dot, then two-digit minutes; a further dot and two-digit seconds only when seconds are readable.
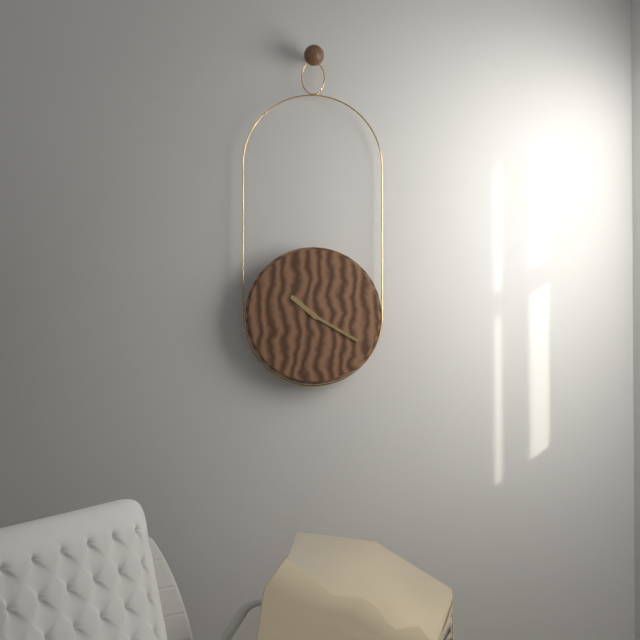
10.20
